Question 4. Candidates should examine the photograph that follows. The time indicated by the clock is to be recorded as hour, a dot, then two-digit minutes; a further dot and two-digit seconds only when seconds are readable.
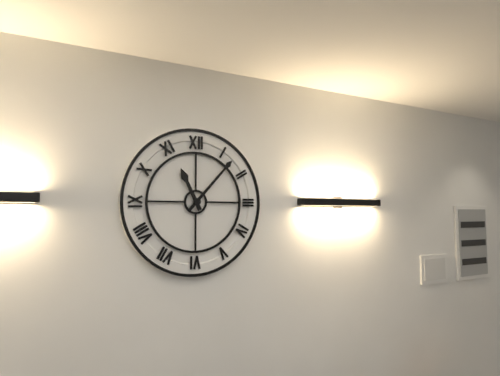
11.07
